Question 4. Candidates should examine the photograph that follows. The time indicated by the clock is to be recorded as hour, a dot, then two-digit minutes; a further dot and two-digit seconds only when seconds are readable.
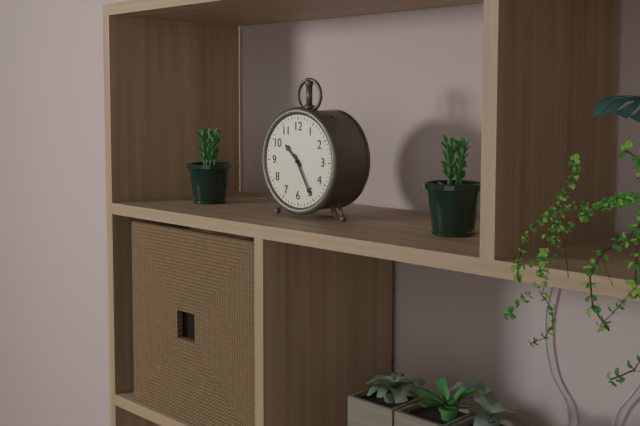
10.25
